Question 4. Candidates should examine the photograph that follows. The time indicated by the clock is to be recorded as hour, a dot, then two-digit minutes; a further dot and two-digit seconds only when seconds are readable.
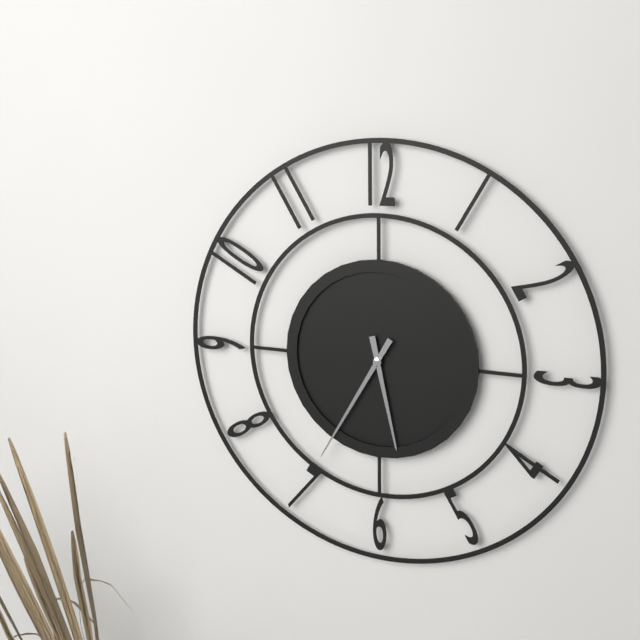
5.35
